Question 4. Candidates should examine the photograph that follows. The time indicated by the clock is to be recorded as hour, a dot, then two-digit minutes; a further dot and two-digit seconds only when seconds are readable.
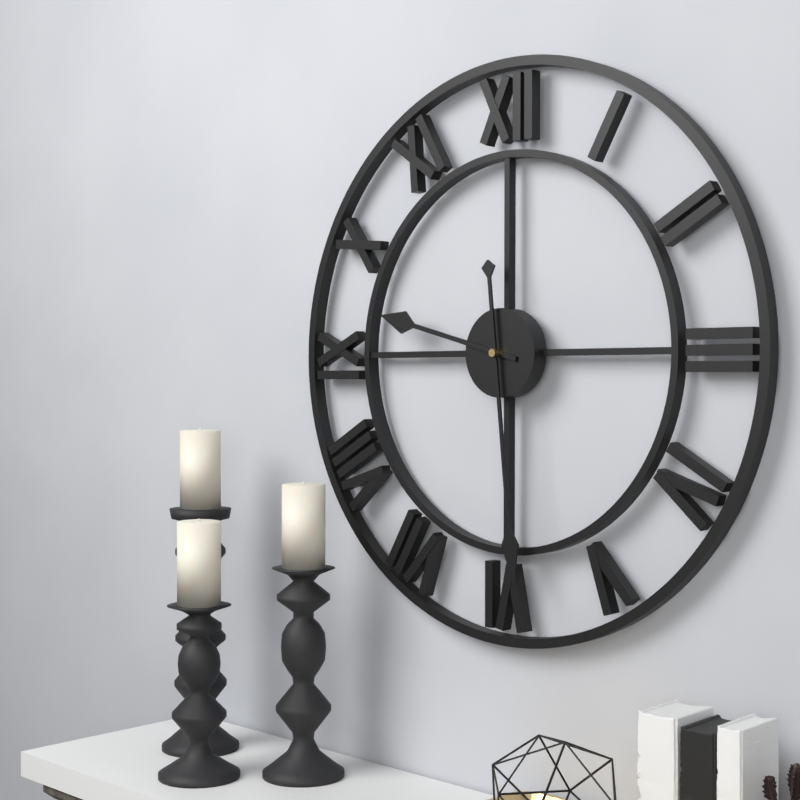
9.29
